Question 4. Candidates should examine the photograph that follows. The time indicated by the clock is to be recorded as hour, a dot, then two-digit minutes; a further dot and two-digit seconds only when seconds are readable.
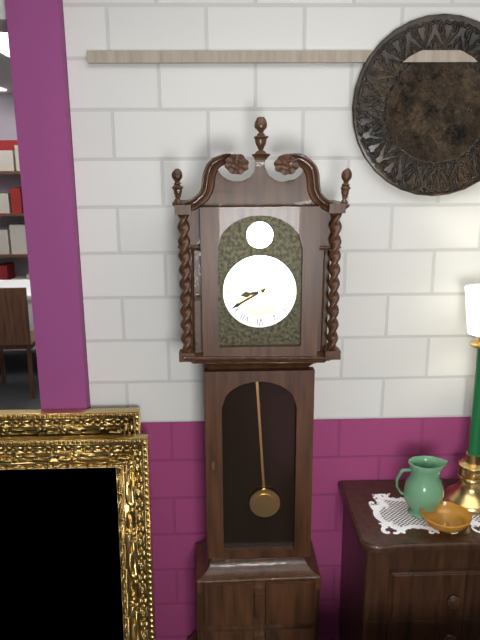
8.40
